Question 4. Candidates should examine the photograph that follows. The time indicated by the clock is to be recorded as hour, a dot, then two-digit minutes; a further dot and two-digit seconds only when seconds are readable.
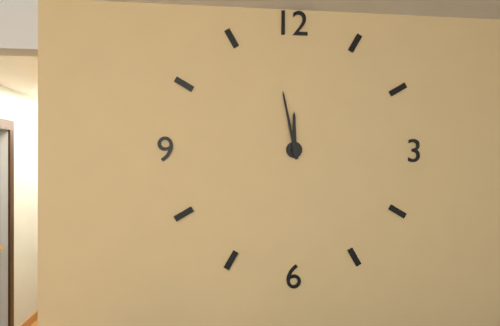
11.58
